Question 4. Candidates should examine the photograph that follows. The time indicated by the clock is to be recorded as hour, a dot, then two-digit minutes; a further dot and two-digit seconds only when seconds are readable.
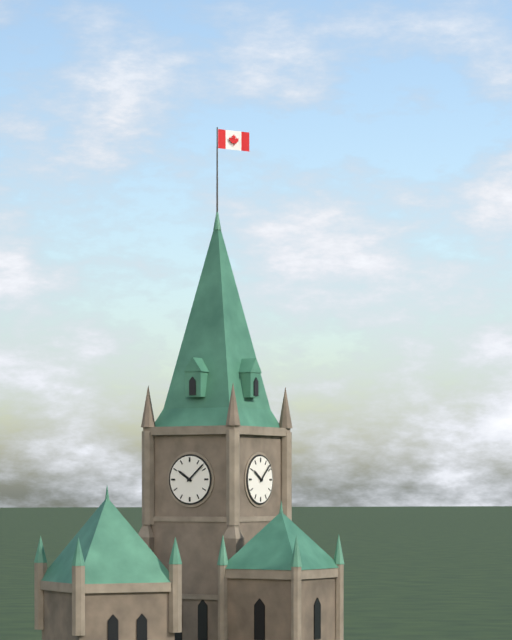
10.08
